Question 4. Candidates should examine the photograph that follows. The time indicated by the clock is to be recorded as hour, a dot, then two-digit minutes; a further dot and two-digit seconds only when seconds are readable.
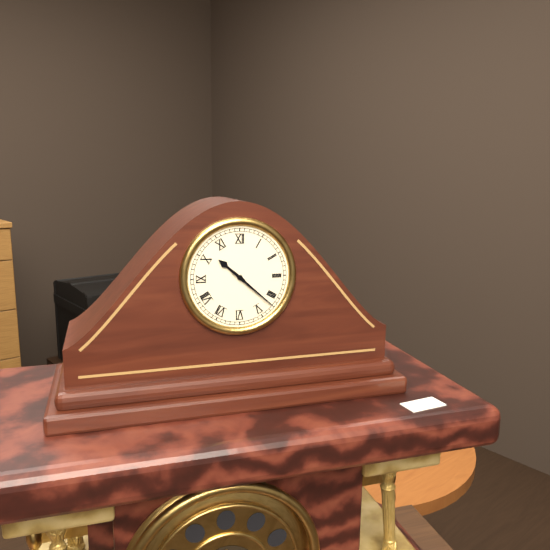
10.22
